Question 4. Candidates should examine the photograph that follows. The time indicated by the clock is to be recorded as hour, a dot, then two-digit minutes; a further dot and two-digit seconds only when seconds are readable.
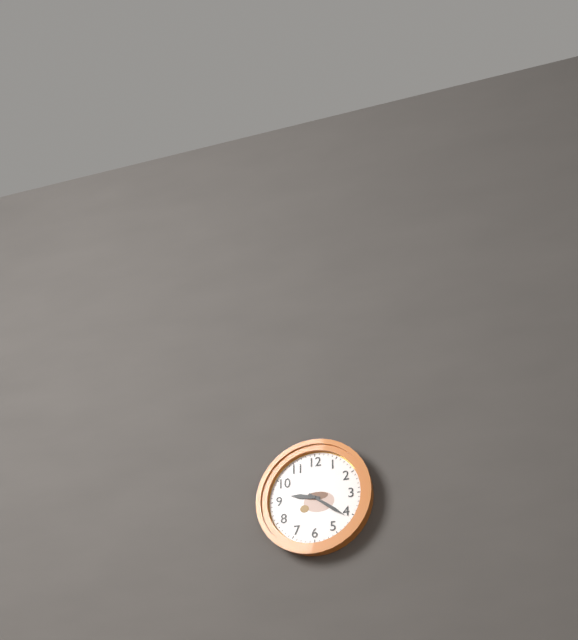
9.21
